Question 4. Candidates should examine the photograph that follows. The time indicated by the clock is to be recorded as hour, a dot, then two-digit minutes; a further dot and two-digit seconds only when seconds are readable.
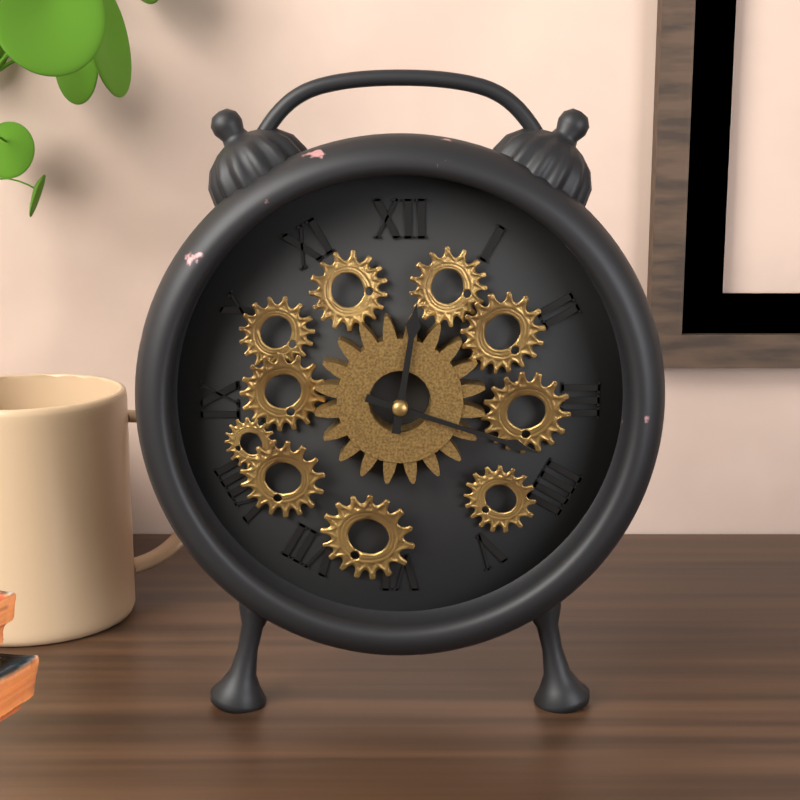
12.18
